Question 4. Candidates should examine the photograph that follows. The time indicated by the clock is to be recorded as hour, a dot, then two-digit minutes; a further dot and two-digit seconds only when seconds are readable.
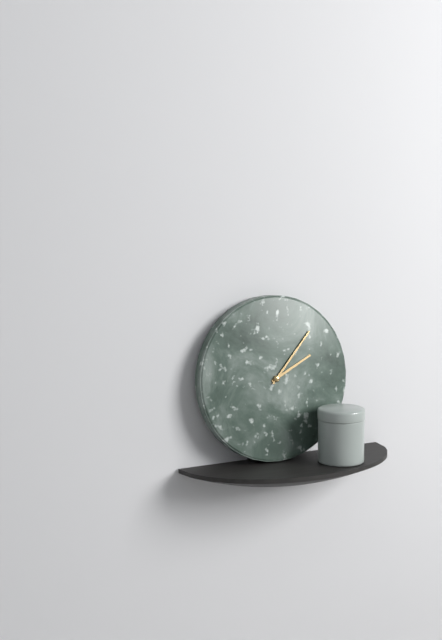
2.07
